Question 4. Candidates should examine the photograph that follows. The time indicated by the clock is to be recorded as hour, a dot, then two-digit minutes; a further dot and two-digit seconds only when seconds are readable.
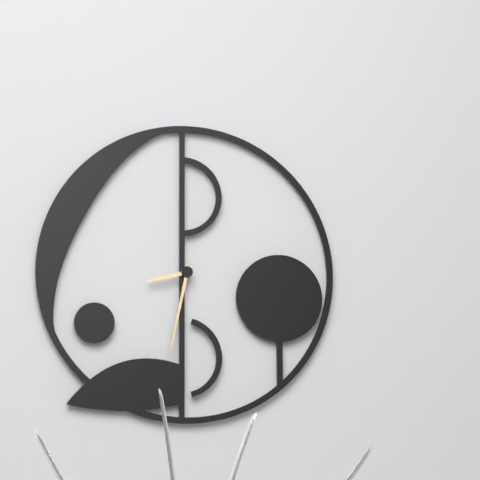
8.32
